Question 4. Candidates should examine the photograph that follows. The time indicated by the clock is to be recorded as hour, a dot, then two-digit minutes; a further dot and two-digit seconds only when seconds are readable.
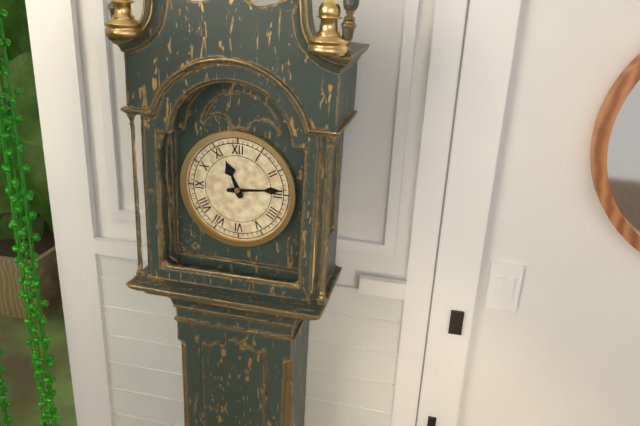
11.14
